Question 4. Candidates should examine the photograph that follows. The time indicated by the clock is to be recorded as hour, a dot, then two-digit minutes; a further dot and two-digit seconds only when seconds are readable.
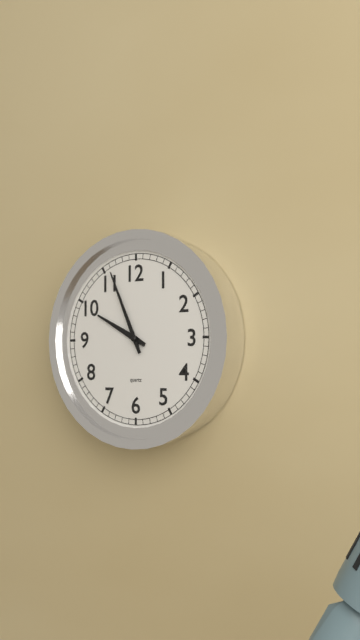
9.56
